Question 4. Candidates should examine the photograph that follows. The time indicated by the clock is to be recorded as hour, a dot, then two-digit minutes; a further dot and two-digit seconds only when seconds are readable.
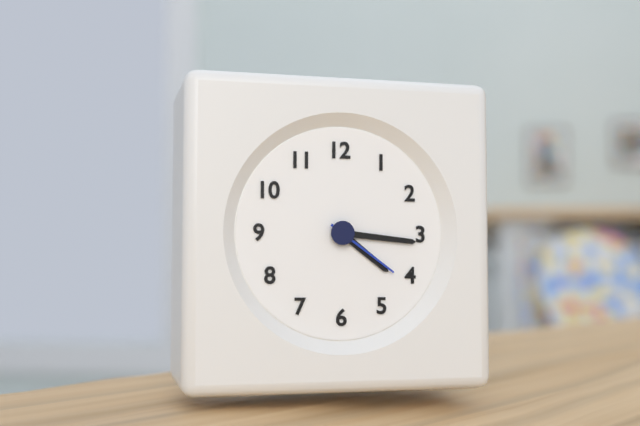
4.16.21
